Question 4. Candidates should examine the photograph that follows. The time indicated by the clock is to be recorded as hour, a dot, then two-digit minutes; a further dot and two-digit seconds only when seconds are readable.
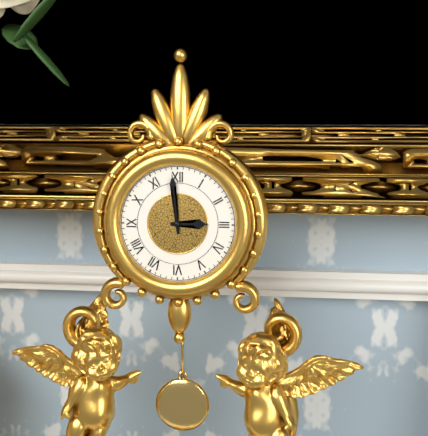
2.59
